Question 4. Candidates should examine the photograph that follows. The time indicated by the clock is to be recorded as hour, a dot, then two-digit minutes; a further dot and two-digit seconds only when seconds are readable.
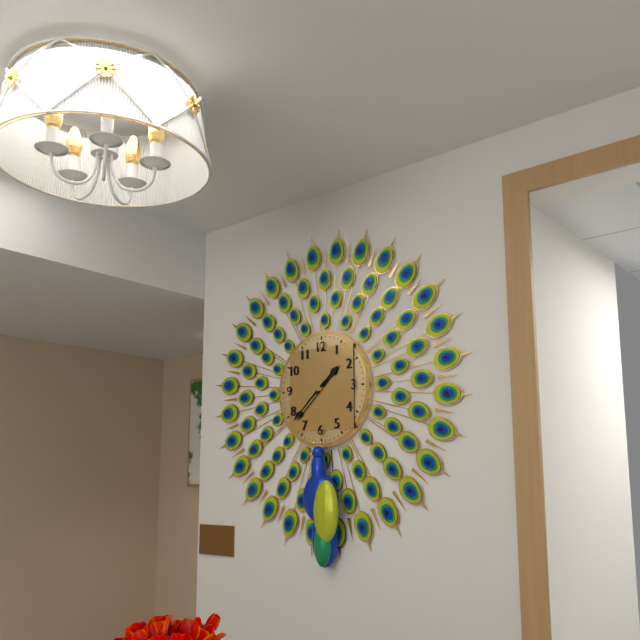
1.38
